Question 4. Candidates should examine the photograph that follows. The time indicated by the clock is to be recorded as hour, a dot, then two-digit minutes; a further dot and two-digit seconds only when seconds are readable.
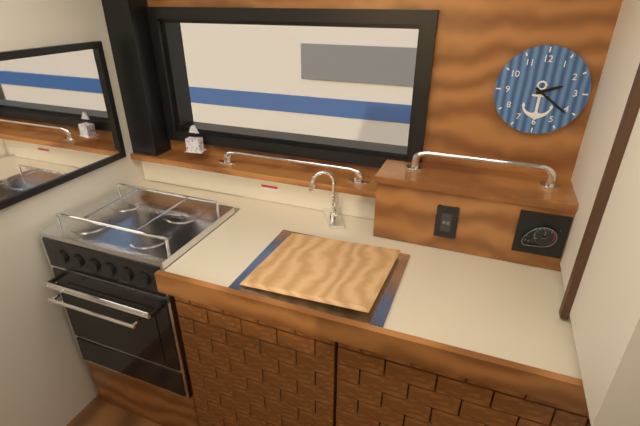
2.21
